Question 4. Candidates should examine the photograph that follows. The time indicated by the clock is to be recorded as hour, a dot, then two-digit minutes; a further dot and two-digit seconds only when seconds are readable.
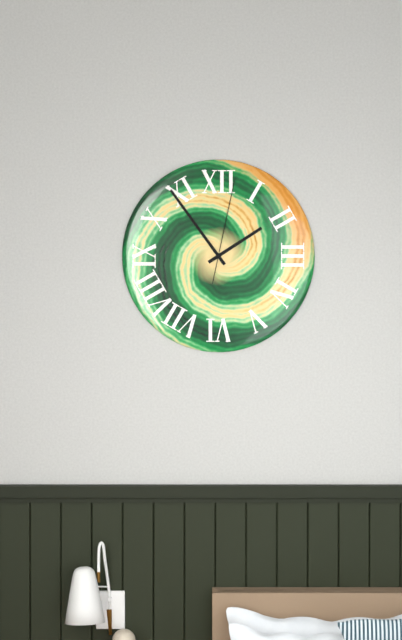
1.54.02
